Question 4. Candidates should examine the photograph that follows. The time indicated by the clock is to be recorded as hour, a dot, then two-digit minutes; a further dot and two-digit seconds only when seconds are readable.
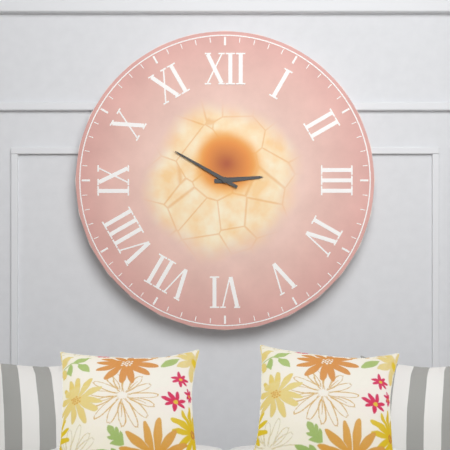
2.50
